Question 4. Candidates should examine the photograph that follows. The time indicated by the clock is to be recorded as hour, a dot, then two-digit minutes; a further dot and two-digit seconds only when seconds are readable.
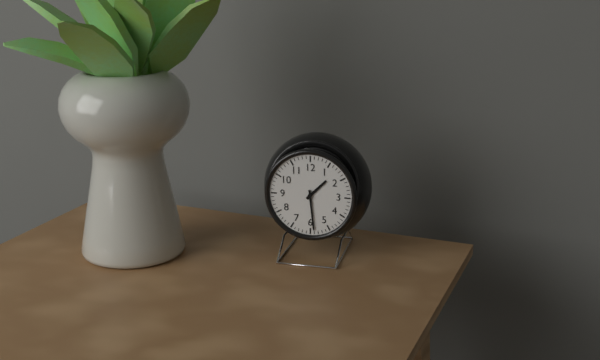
1.29
